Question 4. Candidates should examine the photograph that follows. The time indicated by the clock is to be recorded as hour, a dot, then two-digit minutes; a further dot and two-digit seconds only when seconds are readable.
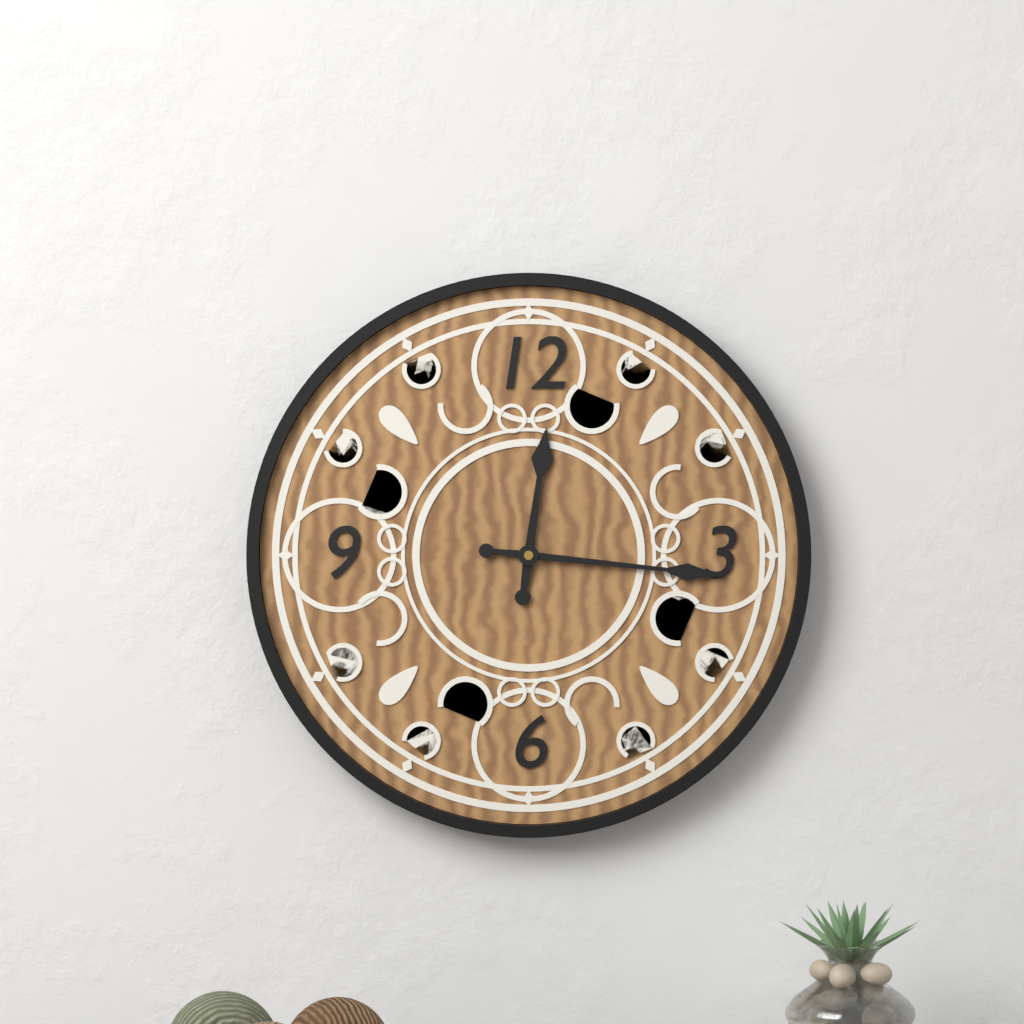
12.16
